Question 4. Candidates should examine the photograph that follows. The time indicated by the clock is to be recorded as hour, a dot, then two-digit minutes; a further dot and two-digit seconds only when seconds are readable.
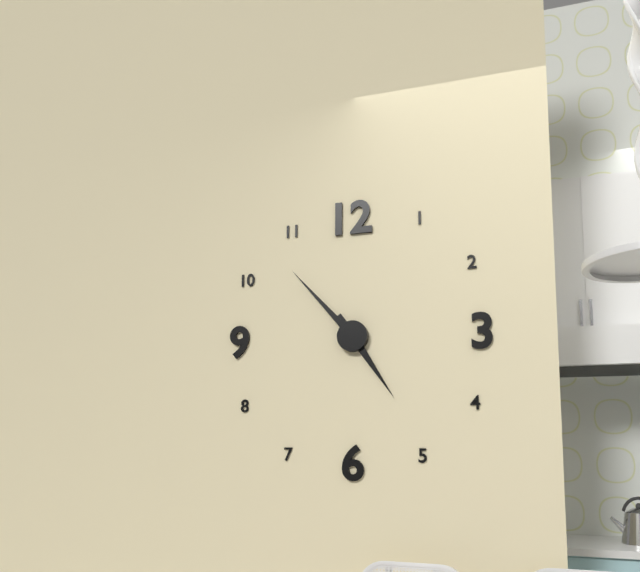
4.53
